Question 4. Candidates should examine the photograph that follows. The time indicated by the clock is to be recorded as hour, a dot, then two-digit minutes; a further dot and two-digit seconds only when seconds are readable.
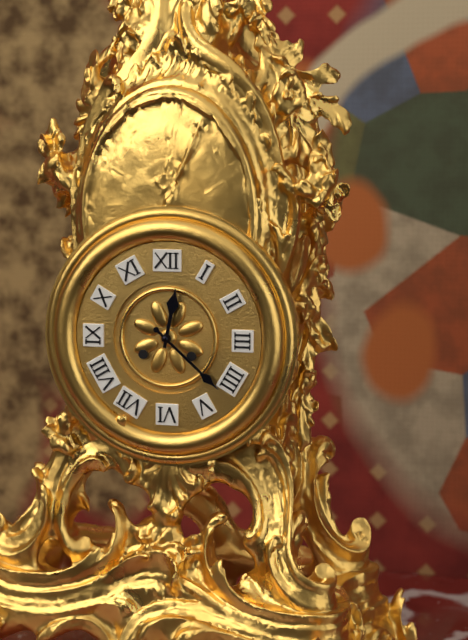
12.22
